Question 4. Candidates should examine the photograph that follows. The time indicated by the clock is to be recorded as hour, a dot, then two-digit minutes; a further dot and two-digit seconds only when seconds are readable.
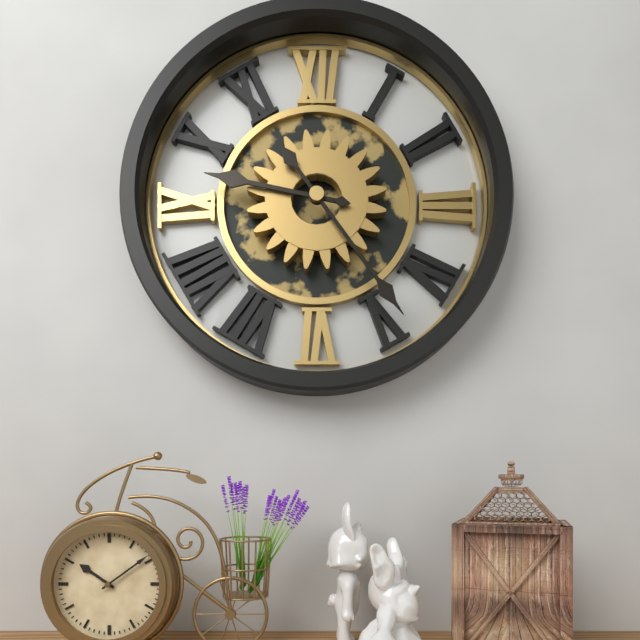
9.24
